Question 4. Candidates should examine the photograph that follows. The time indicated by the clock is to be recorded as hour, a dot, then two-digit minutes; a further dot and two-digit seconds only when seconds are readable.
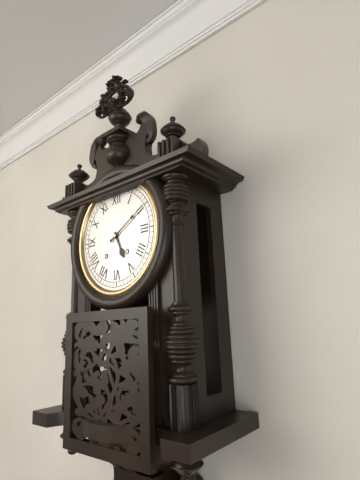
5.10
